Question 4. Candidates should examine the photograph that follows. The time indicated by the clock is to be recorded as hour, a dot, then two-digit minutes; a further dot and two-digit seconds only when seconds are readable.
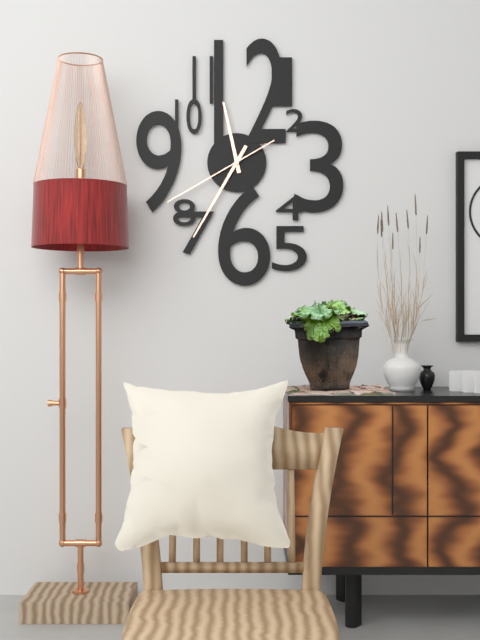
11.35.40
